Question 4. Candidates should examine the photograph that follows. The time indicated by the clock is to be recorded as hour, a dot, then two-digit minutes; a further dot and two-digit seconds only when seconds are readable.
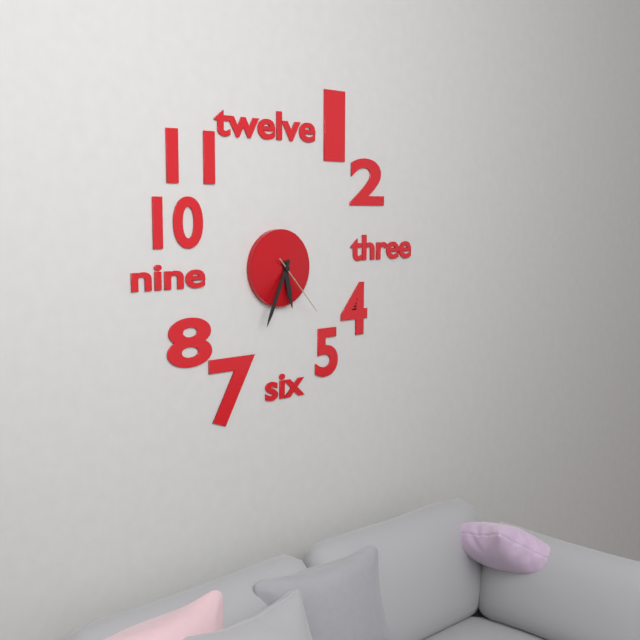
5.34.23
